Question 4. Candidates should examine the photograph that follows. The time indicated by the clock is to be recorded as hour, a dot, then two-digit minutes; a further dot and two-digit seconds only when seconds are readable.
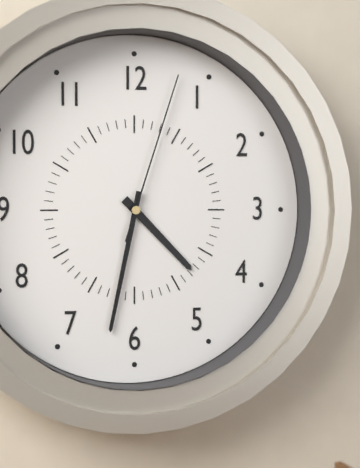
4.32.03
